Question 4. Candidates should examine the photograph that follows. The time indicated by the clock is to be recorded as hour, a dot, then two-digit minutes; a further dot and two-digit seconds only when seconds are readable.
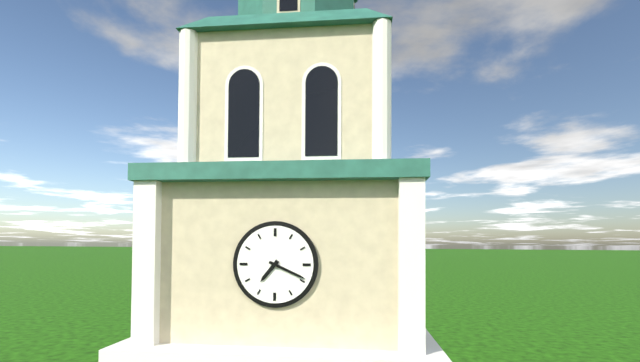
7.19
